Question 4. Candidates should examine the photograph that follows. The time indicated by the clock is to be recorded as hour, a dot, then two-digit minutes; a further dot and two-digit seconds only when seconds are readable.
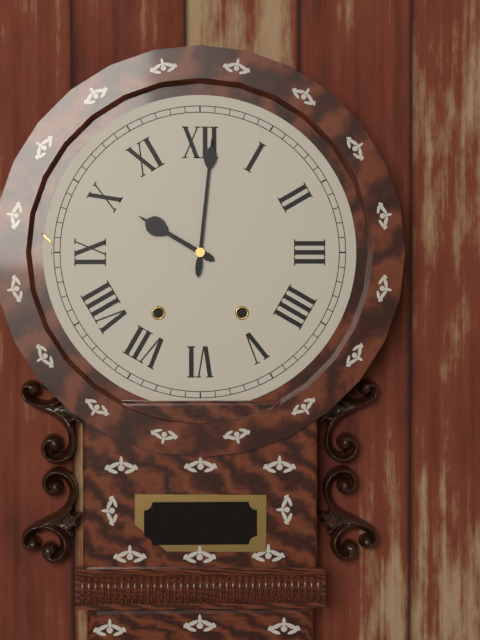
10.01
